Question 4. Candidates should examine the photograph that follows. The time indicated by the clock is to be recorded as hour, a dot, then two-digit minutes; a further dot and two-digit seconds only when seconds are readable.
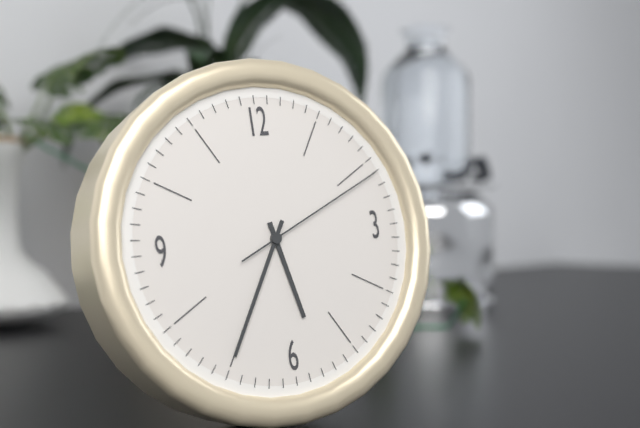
5.35.11
